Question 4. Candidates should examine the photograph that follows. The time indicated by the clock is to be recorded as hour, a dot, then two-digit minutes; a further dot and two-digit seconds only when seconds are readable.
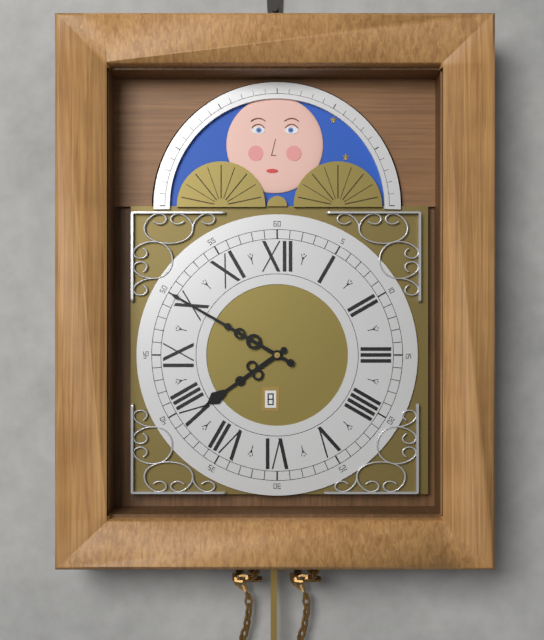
7.50
